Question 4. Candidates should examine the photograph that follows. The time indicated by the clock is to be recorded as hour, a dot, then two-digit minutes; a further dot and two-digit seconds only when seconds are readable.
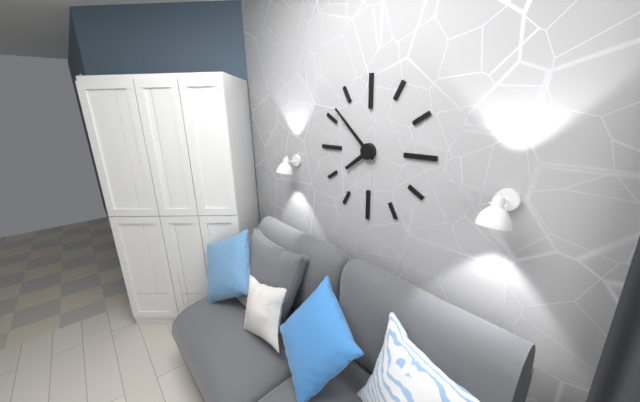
7.52
